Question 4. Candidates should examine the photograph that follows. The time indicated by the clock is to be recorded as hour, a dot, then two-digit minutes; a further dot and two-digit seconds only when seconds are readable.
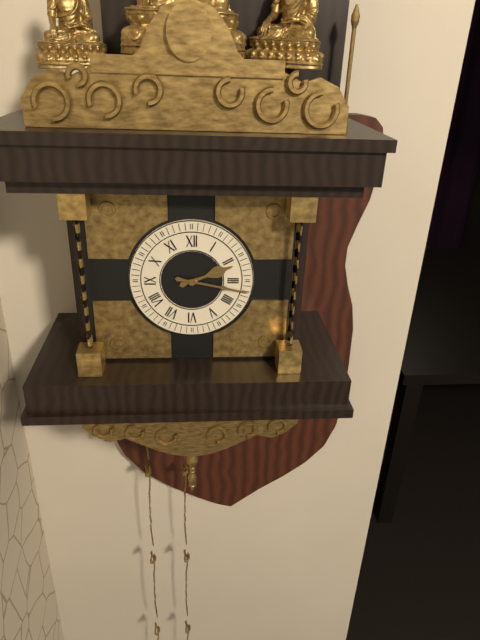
2.17
